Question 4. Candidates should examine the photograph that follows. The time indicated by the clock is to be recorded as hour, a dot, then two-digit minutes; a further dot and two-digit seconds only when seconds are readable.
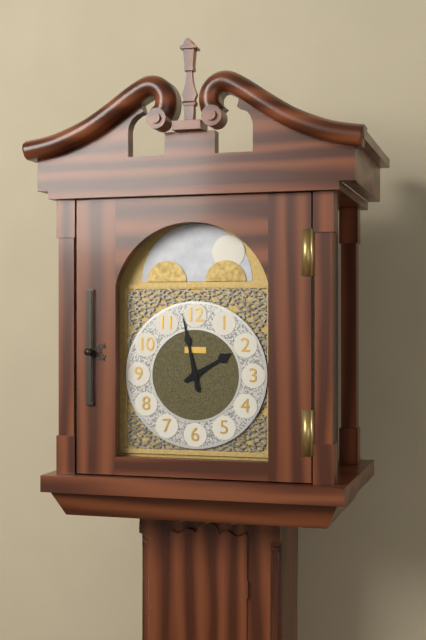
1.58
